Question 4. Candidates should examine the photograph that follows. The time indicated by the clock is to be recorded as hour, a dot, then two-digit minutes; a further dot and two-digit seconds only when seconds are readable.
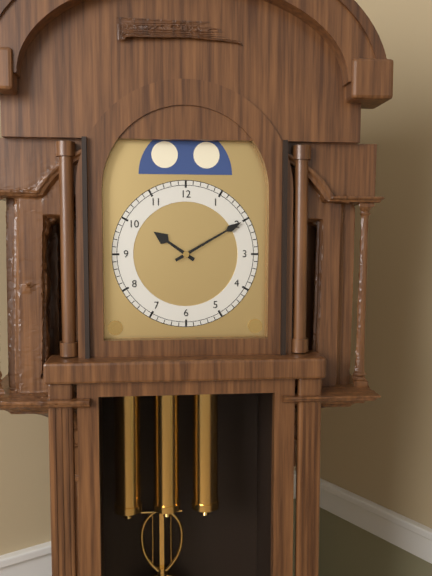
10.10
